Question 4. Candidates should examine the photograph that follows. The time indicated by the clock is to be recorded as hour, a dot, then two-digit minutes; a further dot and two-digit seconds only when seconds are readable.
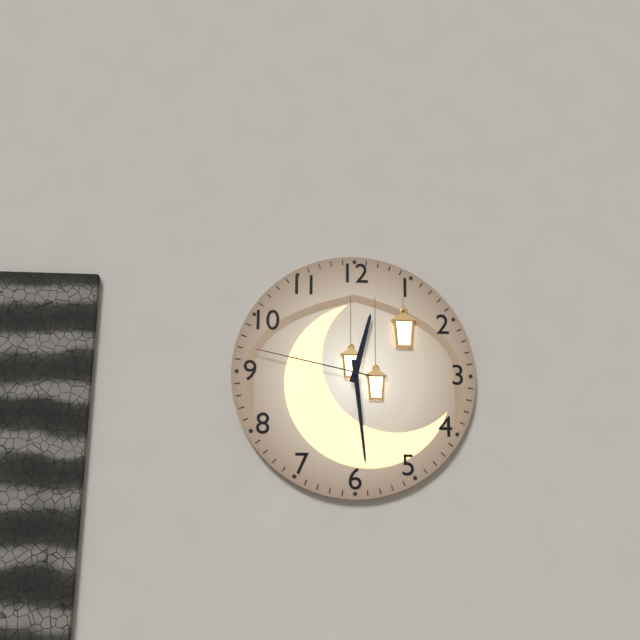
12.29.47
